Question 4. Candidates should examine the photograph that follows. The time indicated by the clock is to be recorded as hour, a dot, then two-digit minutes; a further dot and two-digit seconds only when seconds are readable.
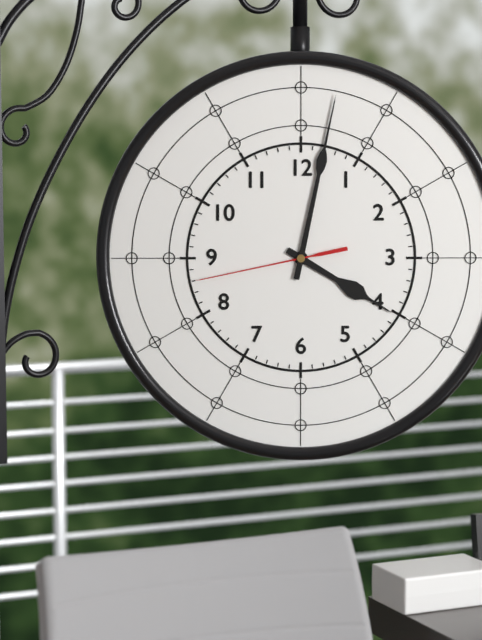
4.02.43
